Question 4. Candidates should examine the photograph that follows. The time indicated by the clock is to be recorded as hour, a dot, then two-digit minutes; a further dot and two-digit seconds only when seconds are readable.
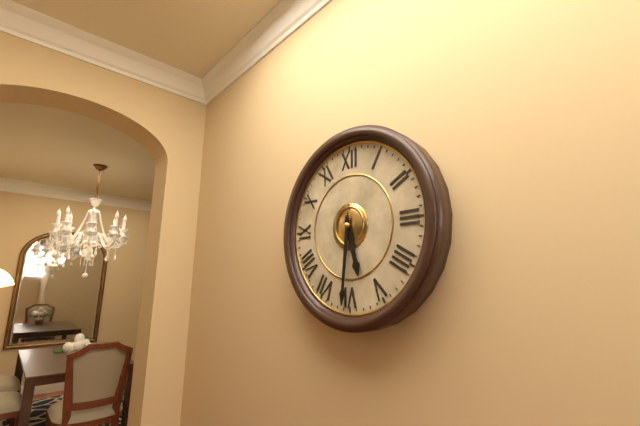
5.31
